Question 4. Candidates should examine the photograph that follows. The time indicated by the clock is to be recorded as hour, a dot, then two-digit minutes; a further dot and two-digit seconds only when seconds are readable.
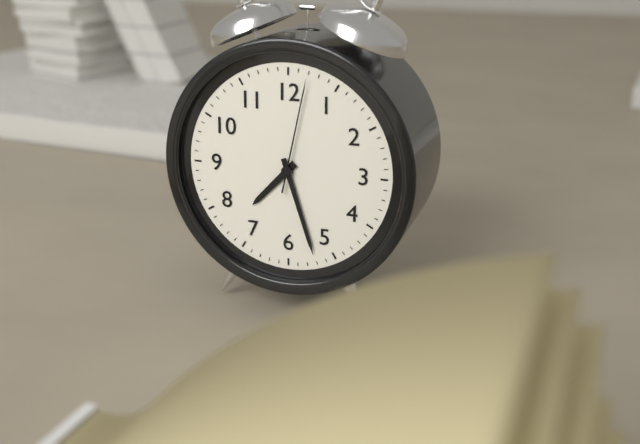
7.27.02
